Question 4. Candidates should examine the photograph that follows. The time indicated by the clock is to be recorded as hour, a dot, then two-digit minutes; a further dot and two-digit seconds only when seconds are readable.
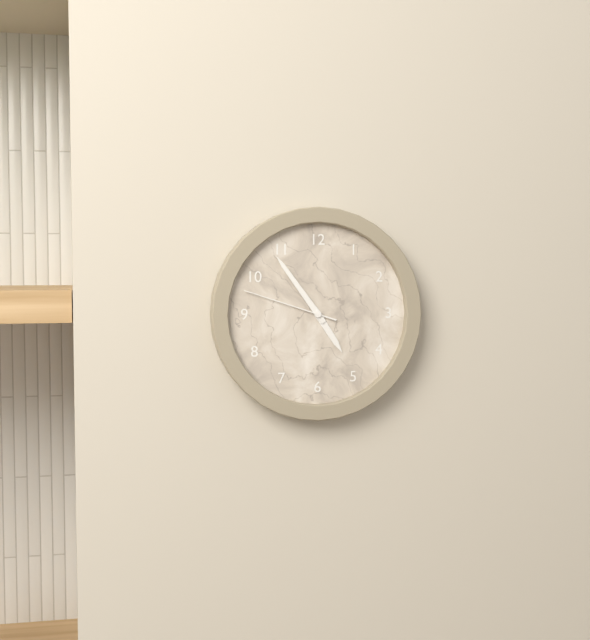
4.54.48
